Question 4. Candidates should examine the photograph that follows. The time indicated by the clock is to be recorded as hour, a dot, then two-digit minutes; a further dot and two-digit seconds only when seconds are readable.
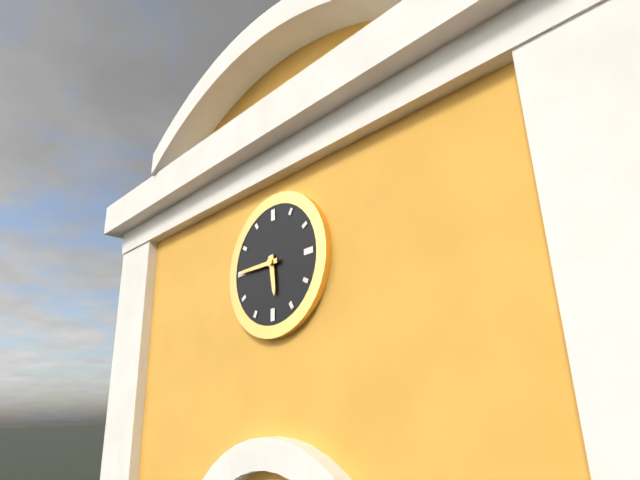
5.45
